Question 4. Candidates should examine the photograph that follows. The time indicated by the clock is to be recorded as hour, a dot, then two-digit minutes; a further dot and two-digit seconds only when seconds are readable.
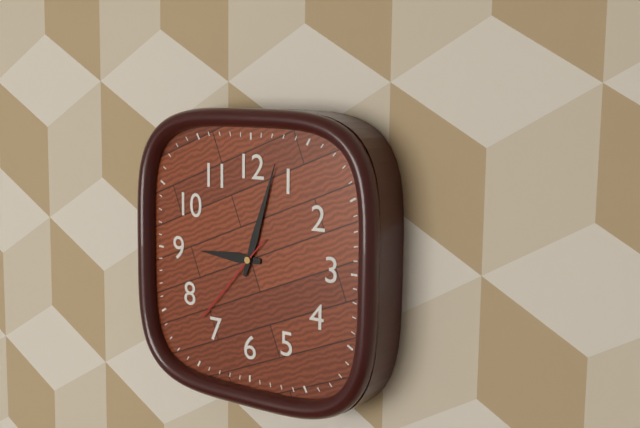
9.03.37
